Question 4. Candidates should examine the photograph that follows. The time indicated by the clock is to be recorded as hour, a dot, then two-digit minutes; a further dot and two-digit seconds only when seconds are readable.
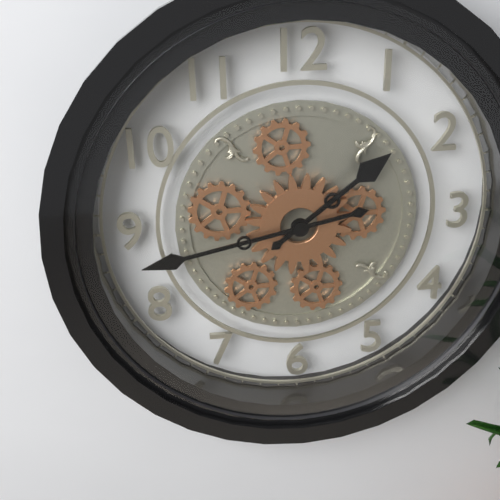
1.43
